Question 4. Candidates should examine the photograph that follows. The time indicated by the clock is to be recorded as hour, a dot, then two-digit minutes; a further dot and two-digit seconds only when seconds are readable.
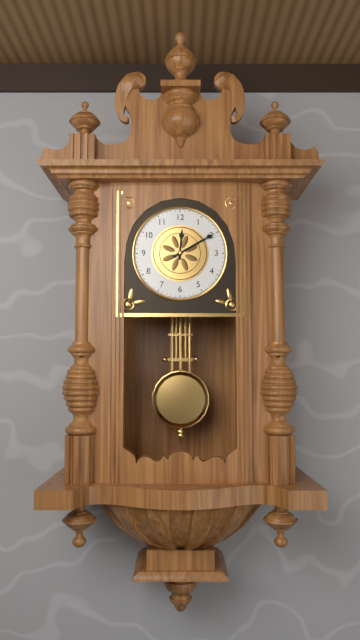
12.10
